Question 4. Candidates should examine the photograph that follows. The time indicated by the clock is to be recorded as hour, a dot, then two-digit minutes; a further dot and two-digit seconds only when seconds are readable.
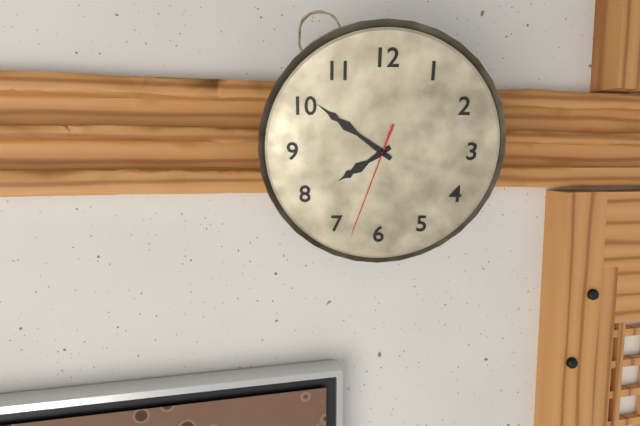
7.51.33
